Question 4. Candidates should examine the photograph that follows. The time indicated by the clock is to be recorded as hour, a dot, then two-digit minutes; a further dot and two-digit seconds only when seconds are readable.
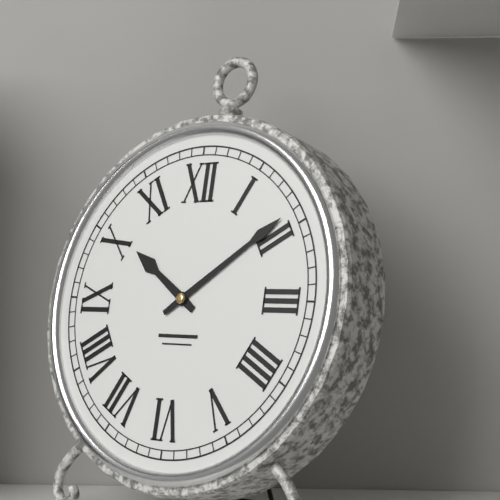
10.09
